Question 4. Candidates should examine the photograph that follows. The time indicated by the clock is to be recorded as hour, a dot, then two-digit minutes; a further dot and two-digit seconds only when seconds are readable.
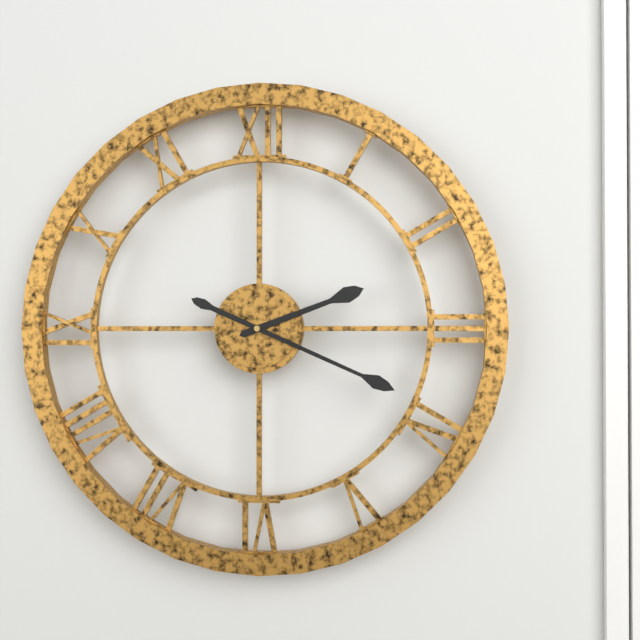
2.19
